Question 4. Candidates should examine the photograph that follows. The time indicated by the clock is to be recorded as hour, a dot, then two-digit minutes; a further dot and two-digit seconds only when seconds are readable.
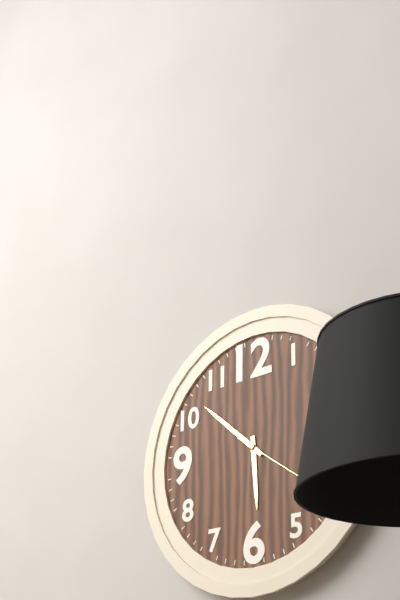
5.52.21
